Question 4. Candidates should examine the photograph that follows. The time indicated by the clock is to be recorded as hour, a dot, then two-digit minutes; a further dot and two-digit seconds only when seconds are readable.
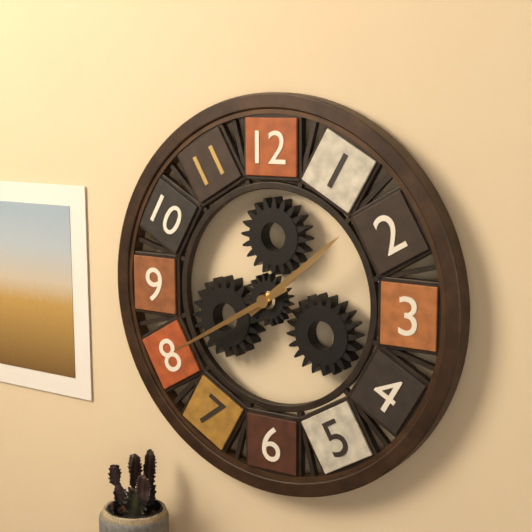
1.40
